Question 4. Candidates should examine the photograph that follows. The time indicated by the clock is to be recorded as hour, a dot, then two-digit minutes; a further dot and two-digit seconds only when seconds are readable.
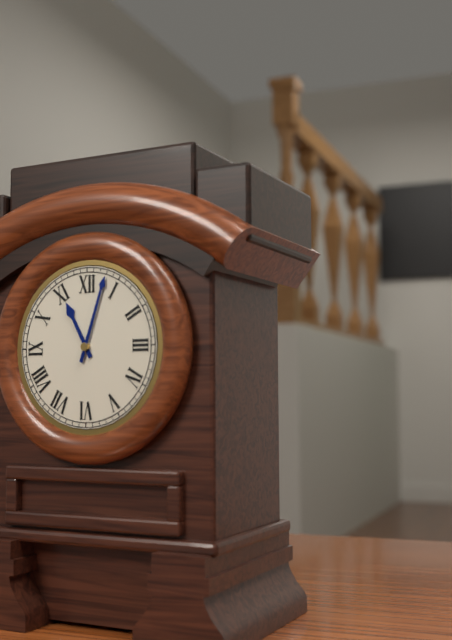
11.03
